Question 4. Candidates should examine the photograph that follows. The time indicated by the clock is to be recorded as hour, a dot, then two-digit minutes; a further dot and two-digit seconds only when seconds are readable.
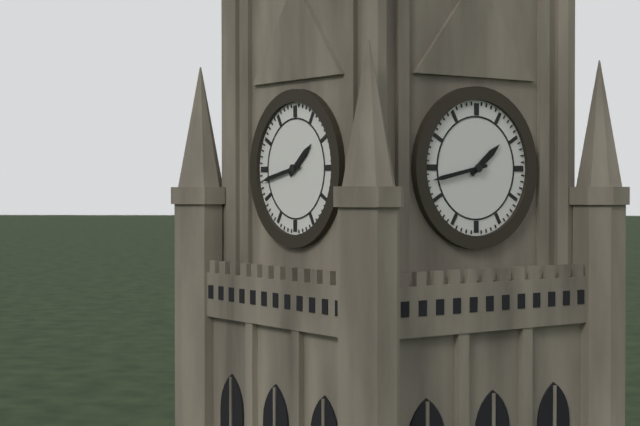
1.43
